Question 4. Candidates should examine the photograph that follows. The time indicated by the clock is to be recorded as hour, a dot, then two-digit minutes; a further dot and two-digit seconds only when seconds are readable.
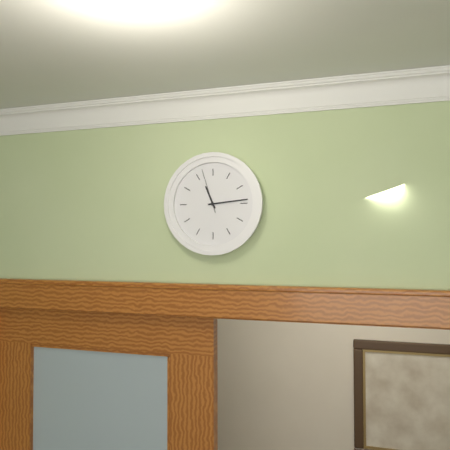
11.14
